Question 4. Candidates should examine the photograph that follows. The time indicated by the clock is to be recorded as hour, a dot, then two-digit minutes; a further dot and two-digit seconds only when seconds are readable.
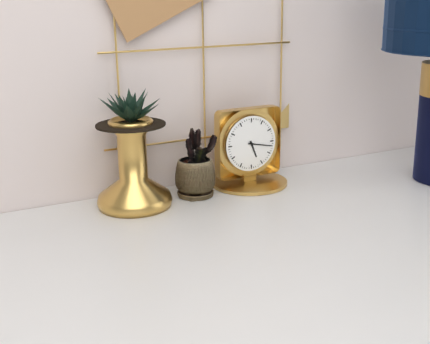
5.17
